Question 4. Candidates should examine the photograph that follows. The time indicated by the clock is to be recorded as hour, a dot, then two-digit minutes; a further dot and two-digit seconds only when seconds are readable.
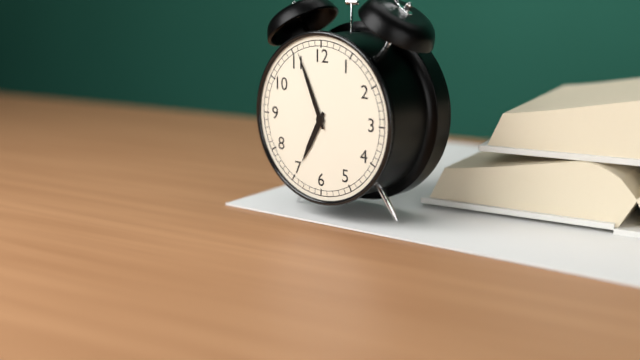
6.56
